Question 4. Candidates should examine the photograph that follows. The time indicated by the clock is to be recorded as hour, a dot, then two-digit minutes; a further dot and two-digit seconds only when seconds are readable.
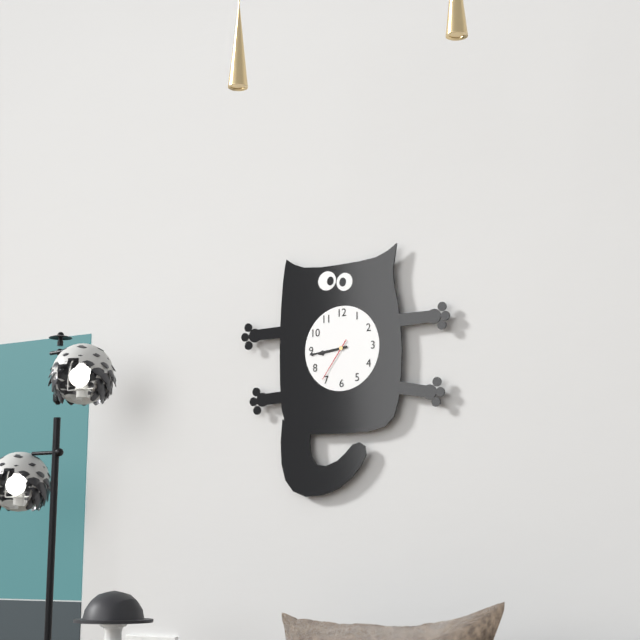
8.44
